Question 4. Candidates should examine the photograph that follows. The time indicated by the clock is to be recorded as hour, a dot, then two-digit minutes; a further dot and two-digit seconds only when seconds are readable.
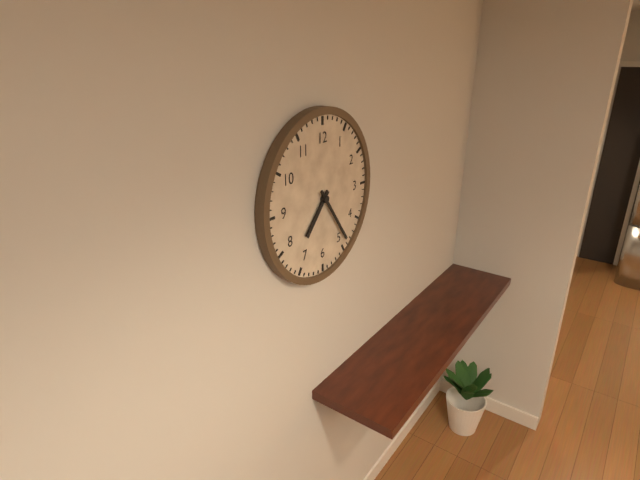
7.24
